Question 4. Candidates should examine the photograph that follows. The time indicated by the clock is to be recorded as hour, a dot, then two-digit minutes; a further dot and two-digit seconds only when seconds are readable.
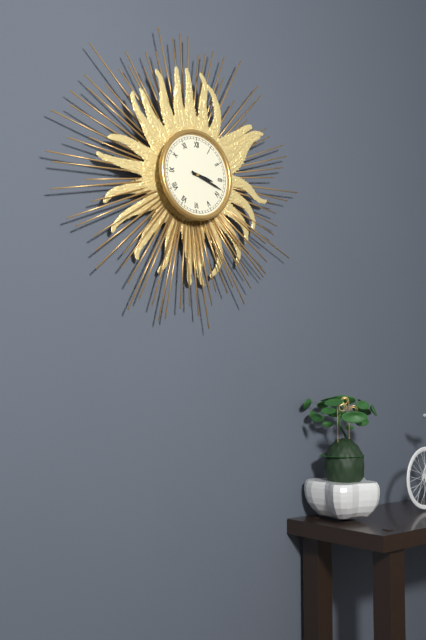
3.18
